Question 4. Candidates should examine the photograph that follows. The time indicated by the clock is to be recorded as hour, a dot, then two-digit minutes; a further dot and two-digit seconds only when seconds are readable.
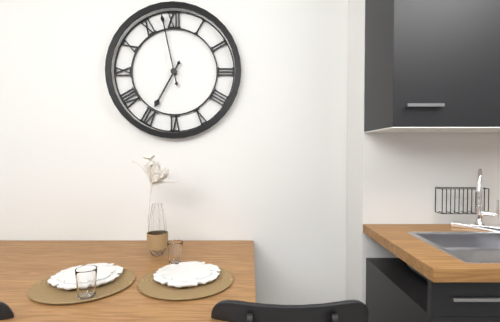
6.58
